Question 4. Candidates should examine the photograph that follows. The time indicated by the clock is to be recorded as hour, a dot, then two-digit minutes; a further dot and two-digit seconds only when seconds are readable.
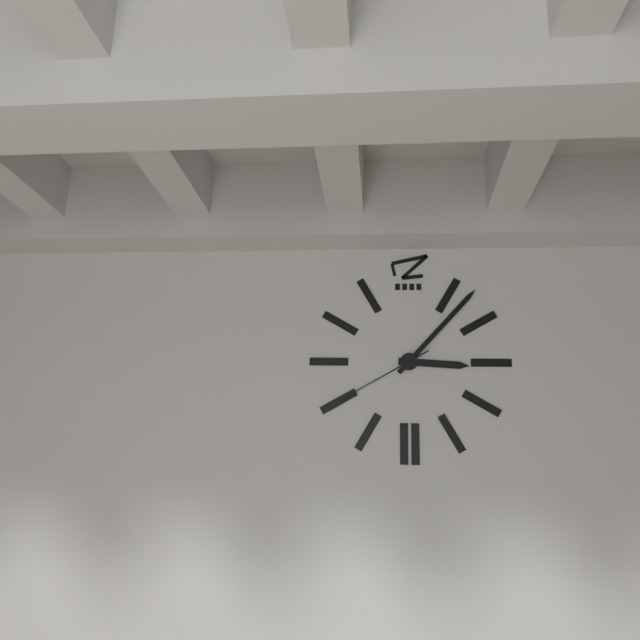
3.07.40
